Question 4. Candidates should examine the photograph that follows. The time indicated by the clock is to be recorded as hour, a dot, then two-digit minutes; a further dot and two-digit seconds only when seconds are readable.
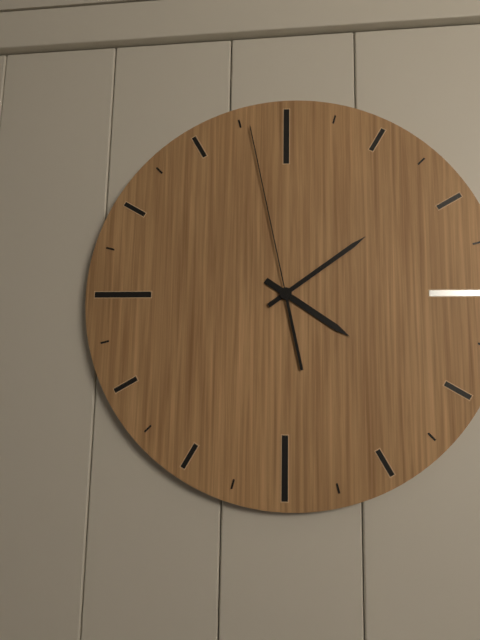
4.09.58
